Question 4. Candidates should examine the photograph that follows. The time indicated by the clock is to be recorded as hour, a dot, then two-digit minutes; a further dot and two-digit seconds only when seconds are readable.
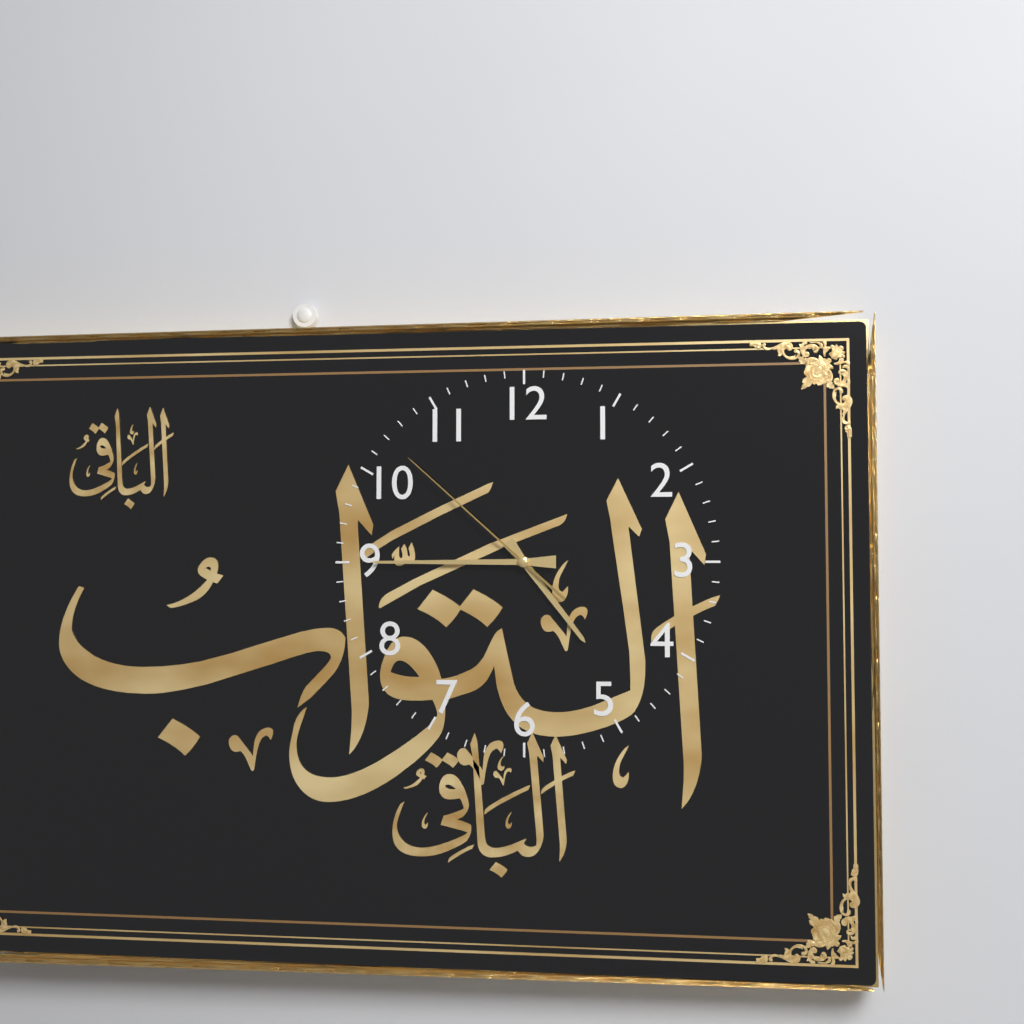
4.45.52
